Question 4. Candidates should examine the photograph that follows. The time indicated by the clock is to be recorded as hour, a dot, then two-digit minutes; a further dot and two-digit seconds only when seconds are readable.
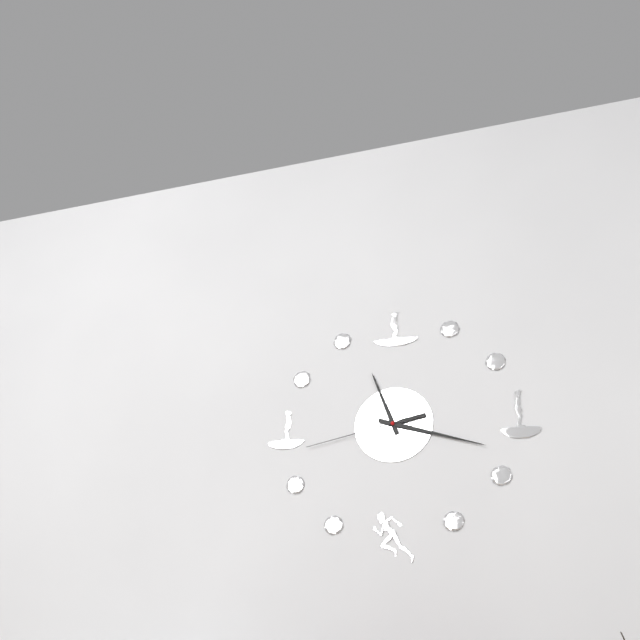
11.18.43
